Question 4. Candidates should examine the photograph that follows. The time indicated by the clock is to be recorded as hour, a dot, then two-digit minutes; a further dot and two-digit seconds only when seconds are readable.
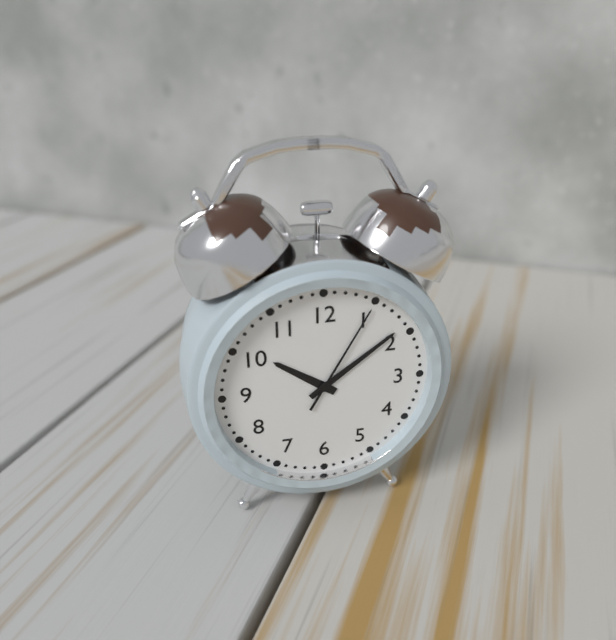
10.09.05
